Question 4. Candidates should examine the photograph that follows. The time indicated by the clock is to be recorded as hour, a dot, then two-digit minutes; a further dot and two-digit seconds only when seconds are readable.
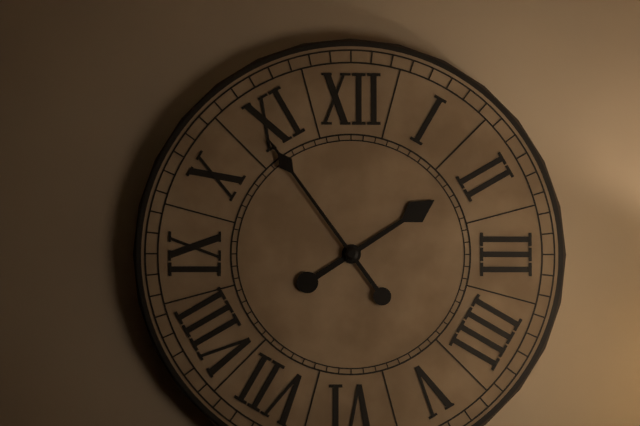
1.54
